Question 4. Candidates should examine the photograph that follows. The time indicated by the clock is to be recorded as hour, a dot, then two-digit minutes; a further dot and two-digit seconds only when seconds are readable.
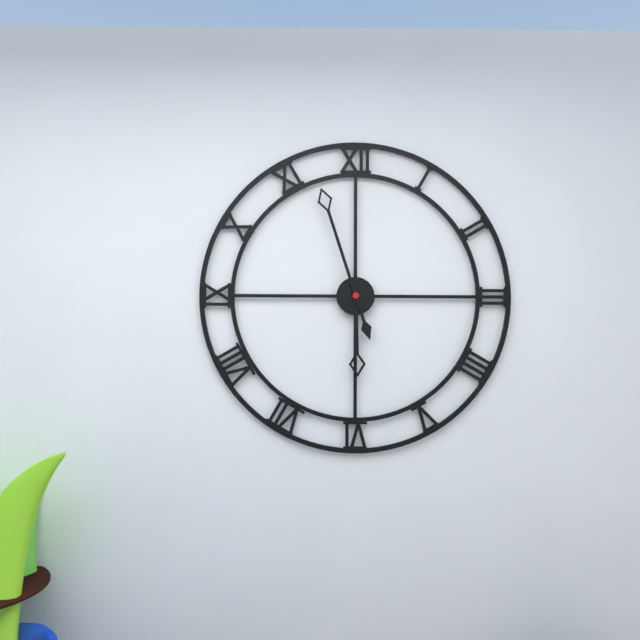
5.57
